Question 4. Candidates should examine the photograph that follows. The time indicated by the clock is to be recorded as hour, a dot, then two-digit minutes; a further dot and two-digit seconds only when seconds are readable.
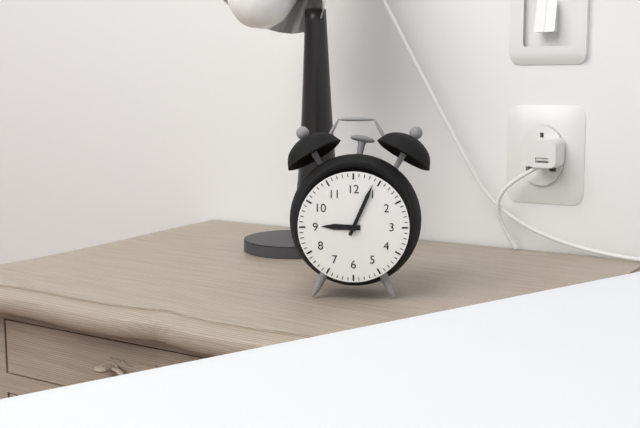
9.04
